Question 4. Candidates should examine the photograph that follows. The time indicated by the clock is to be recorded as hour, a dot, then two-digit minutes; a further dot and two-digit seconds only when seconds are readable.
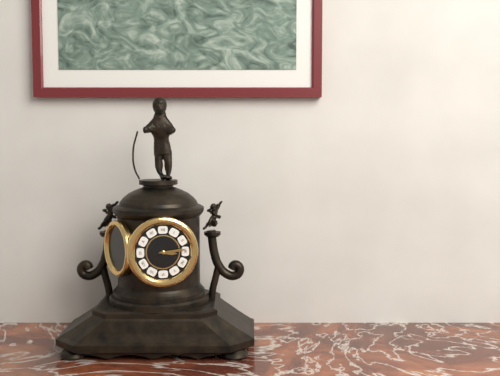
3.14
